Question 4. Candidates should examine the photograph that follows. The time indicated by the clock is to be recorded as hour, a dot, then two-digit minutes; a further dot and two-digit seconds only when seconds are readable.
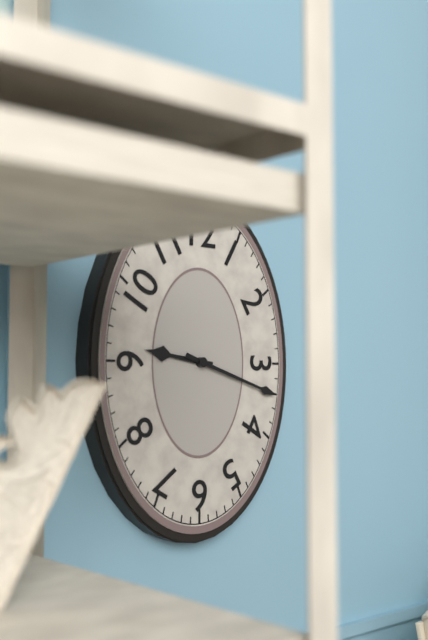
9.18
